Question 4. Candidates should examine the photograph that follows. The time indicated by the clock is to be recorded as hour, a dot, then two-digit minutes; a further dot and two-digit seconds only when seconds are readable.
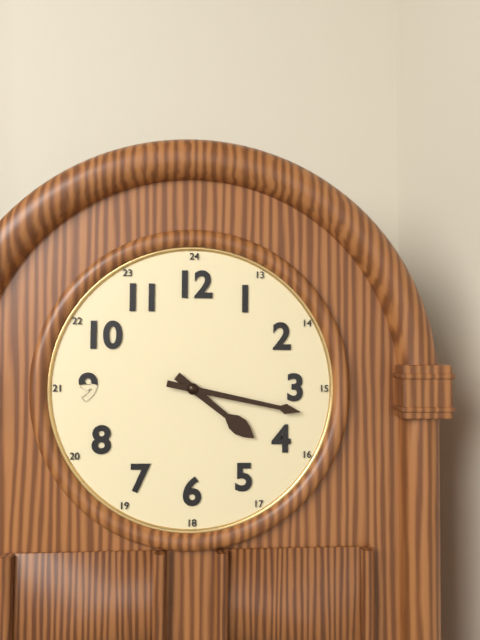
4.17
